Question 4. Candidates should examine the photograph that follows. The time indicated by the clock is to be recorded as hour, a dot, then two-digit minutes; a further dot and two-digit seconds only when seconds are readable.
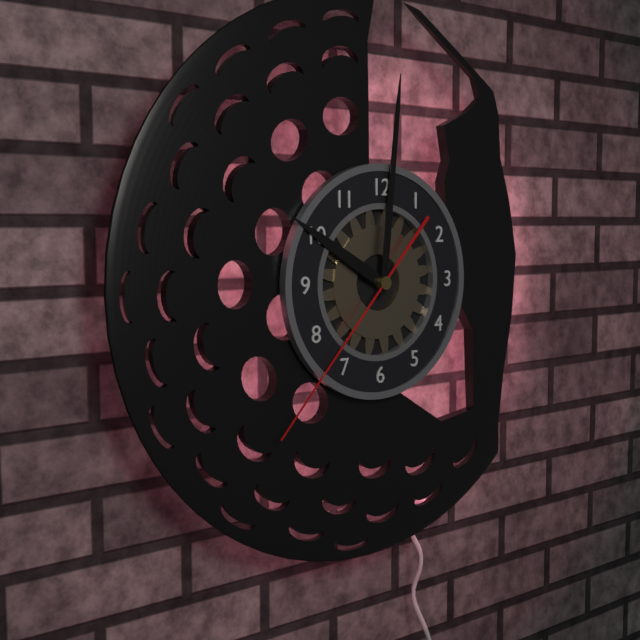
10.01.37
